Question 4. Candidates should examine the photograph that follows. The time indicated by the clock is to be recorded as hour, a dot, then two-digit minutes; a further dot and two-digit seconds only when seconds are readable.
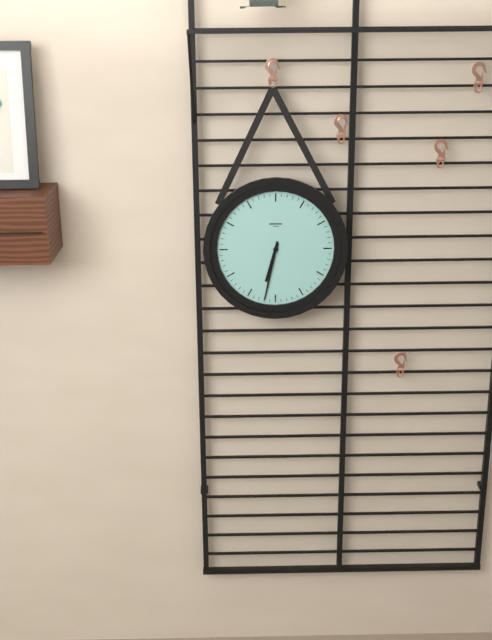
6.32
